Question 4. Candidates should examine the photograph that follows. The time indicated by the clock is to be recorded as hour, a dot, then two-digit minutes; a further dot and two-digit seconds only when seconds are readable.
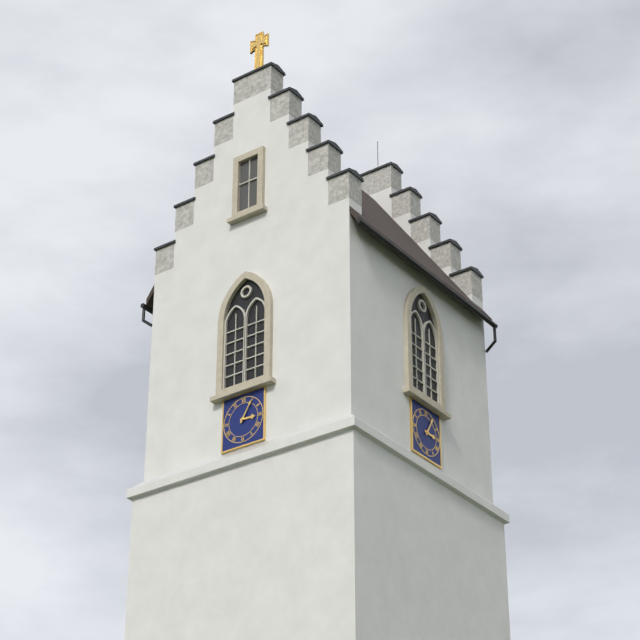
3.05
